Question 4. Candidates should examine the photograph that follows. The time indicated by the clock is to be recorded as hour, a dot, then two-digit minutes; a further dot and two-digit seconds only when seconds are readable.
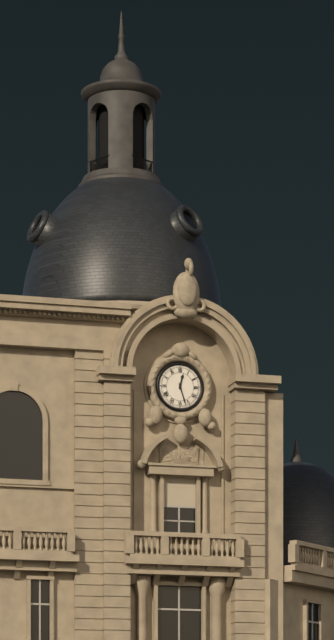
12.27
